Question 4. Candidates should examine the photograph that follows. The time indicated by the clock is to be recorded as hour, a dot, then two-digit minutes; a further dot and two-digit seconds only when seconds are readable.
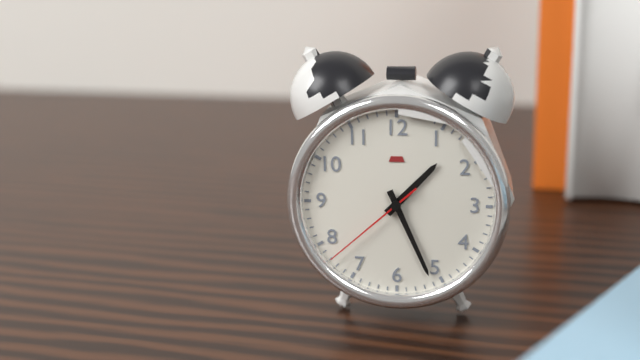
1.26.38
